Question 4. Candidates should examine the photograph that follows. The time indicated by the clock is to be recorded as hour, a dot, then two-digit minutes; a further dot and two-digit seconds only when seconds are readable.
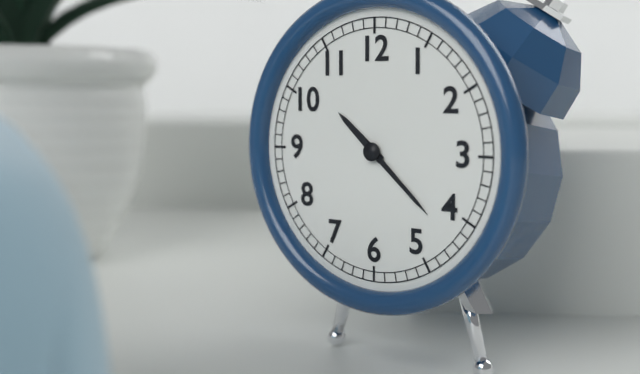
10.22
